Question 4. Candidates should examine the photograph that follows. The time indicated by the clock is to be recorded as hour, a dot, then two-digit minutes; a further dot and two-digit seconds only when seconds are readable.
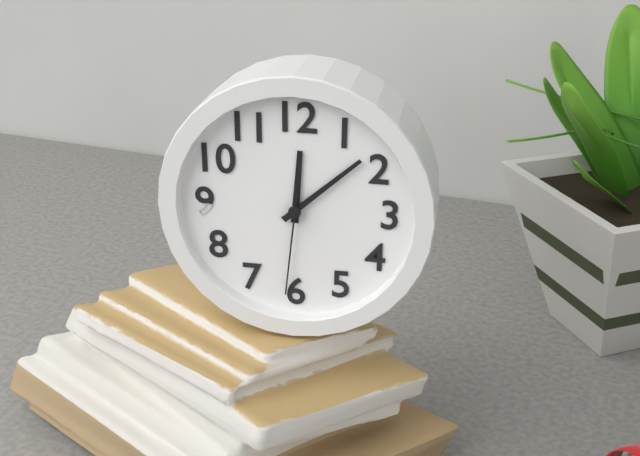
12.08.31
